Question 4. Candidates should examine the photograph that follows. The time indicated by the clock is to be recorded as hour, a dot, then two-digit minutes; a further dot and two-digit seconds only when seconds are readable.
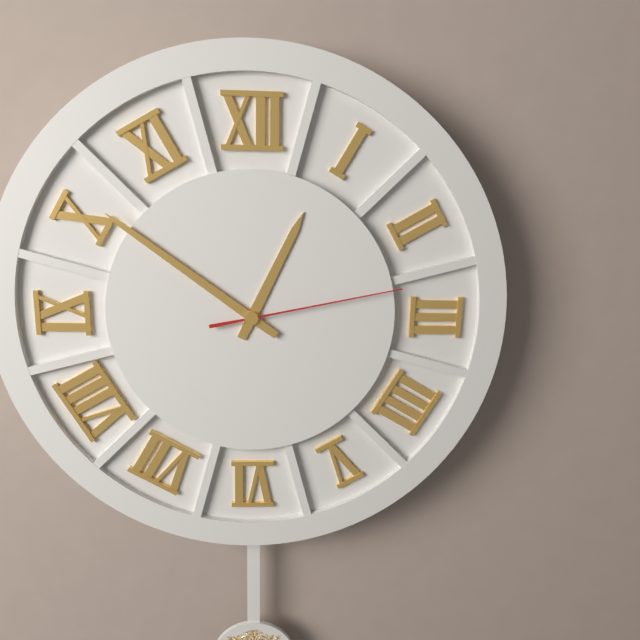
12.51.13
